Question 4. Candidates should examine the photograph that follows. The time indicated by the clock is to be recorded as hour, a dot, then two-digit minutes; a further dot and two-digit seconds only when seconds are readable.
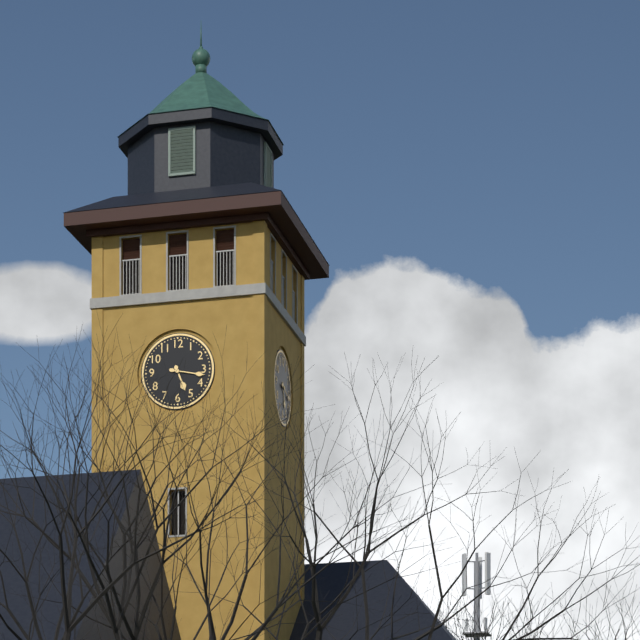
5.17
